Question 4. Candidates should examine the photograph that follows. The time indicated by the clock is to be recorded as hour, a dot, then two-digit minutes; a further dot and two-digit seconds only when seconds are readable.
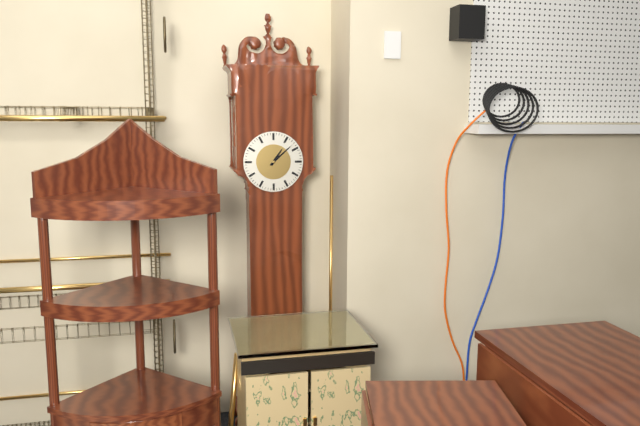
1.08
